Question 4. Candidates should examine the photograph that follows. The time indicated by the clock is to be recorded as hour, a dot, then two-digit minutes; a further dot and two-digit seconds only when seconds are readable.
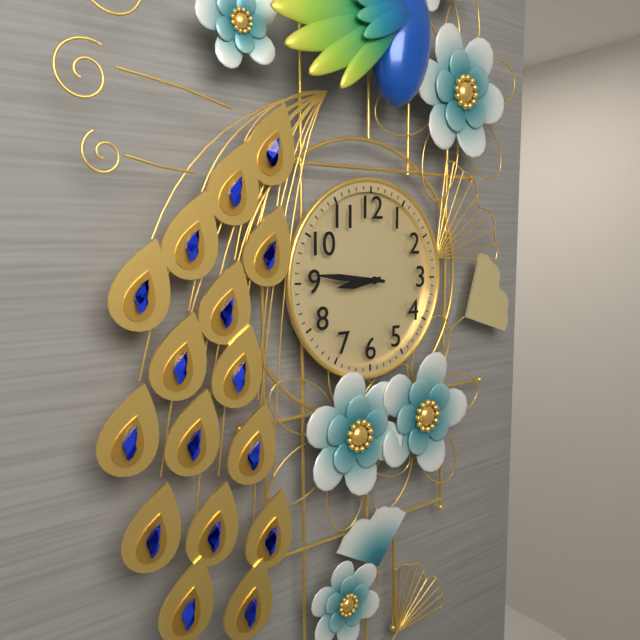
8.46
